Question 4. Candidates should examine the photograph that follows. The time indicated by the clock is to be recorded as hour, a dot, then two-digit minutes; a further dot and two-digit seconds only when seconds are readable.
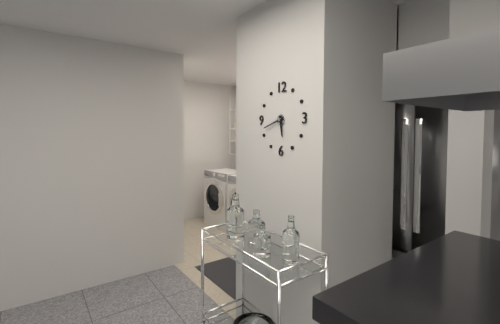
5.42
